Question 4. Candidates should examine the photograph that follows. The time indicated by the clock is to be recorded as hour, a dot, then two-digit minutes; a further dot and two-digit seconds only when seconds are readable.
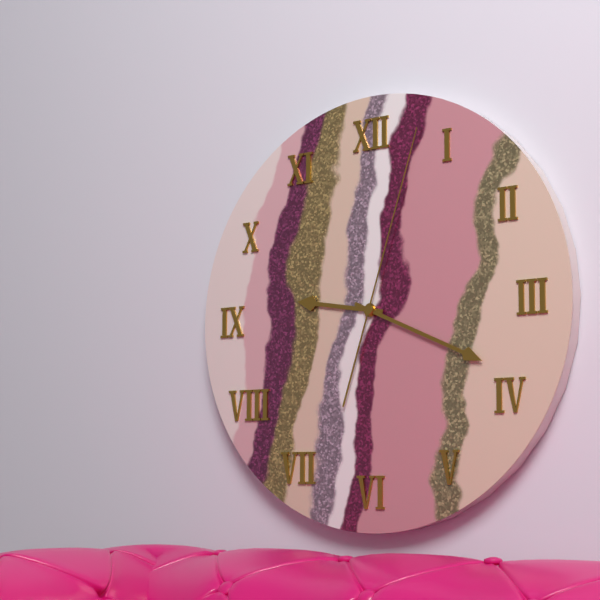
9.19.03
